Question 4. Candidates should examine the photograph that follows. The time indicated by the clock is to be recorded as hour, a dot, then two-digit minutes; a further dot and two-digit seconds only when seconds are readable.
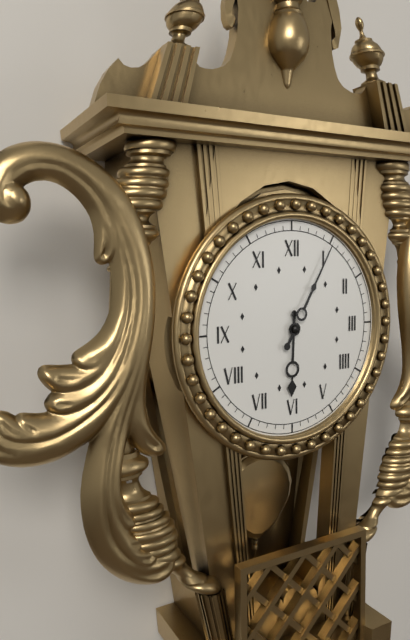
6.05
